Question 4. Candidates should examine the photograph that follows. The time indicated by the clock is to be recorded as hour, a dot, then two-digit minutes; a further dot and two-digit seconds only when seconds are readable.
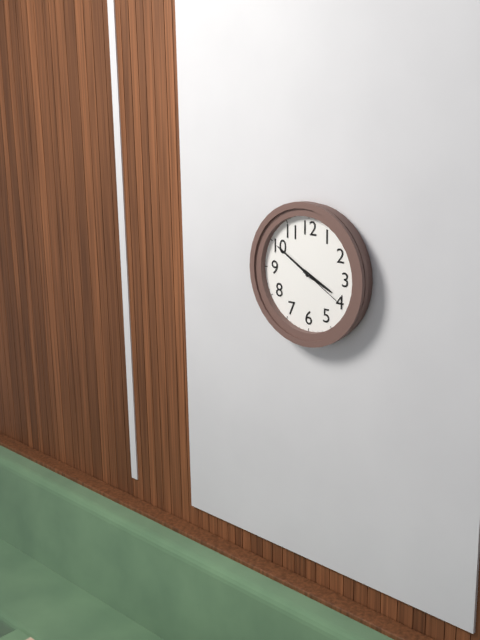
3.50.20
